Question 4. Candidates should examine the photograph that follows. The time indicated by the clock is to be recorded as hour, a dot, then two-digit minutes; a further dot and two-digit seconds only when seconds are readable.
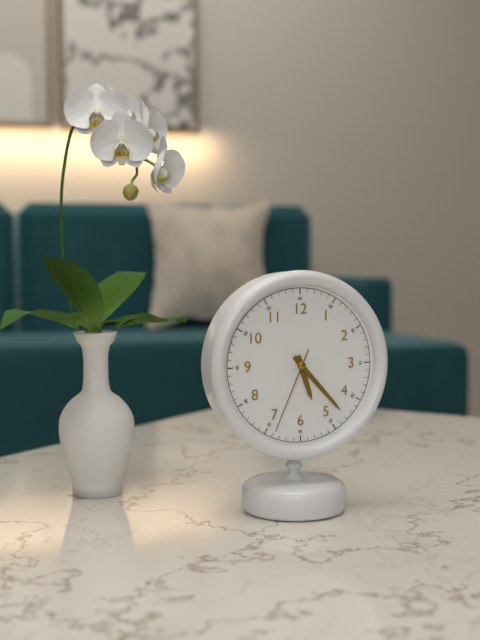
5.23.34
